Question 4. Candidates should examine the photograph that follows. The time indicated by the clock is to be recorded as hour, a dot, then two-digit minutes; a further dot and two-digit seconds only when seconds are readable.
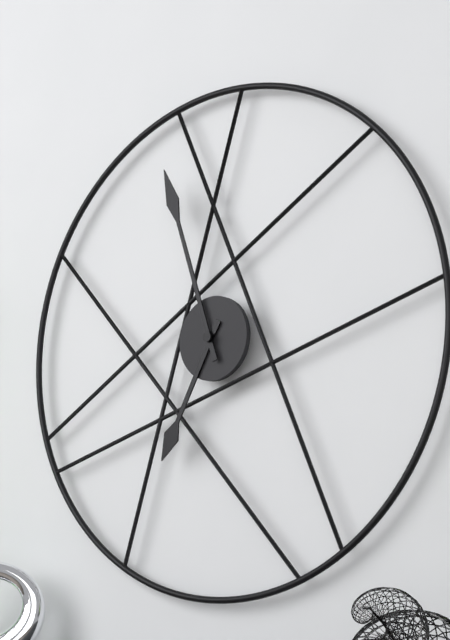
6.57
